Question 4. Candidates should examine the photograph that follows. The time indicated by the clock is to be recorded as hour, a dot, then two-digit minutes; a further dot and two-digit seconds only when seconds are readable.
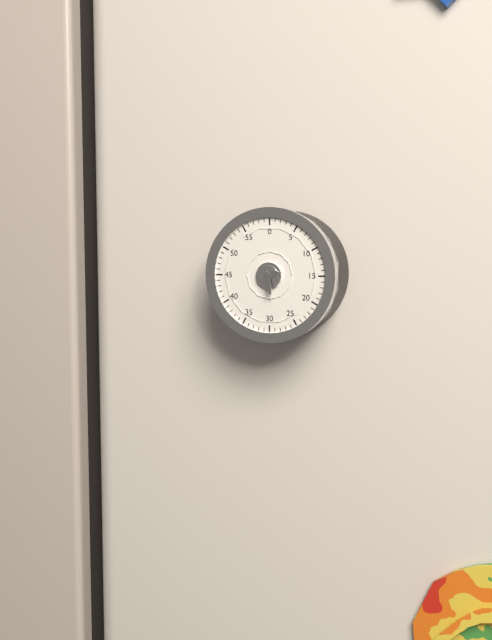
2.28
